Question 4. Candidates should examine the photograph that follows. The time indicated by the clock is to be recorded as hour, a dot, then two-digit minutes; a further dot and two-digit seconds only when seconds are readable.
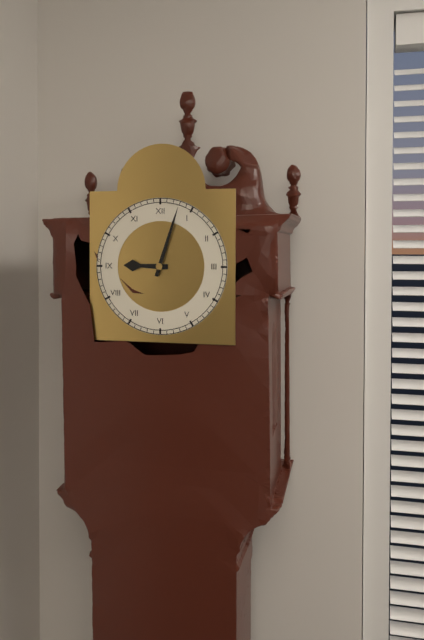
9.03
